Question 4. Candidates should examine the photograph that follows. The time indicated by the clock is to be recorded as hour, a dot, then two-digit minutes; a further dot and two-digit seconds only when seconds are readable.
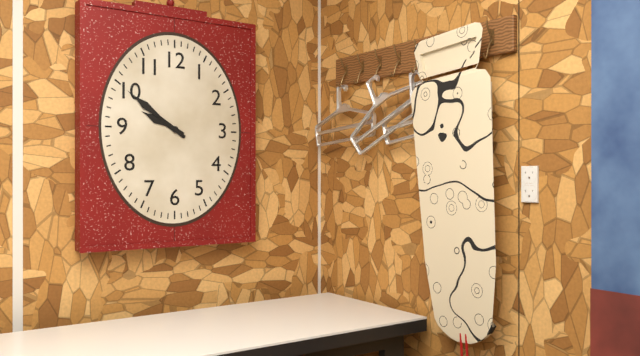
9.51
